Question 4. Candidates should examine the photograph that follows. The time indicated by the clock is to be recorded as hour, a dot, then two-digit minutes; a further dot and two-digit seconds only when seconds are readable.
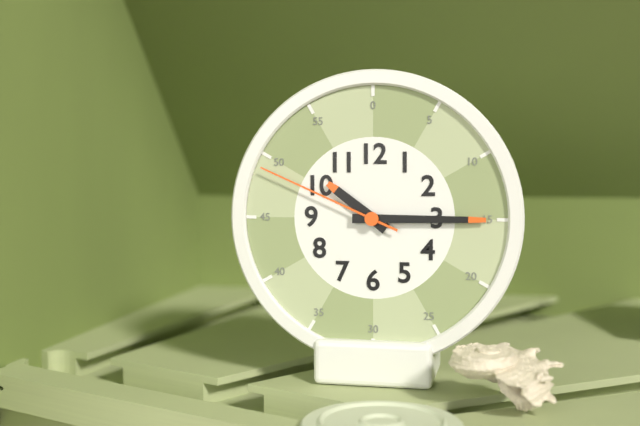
10.15.49
